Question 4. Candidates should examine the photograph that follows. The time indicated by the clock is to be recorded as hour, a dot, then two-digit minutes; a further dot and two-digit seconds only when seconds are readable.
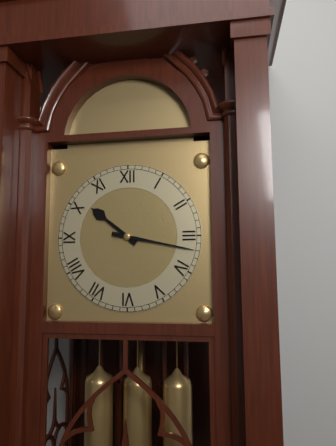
10.17
